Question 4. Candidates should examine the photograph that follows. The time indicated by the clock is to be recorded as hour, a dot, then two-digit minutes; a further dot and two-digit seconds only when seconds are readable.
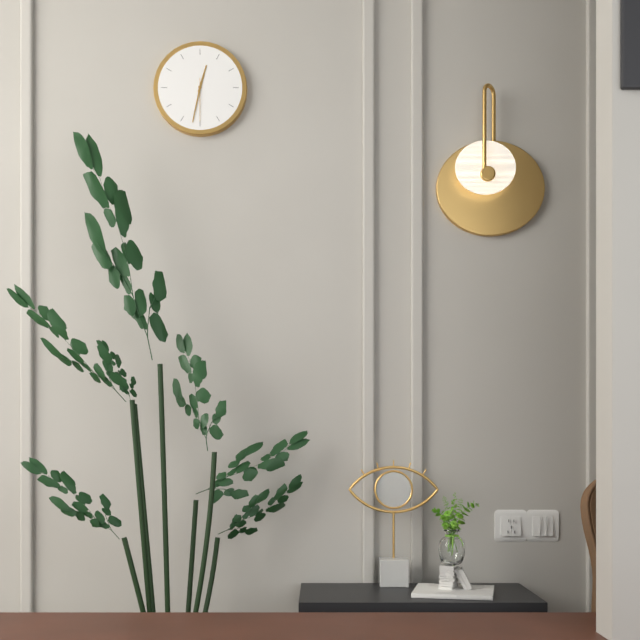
12.32
